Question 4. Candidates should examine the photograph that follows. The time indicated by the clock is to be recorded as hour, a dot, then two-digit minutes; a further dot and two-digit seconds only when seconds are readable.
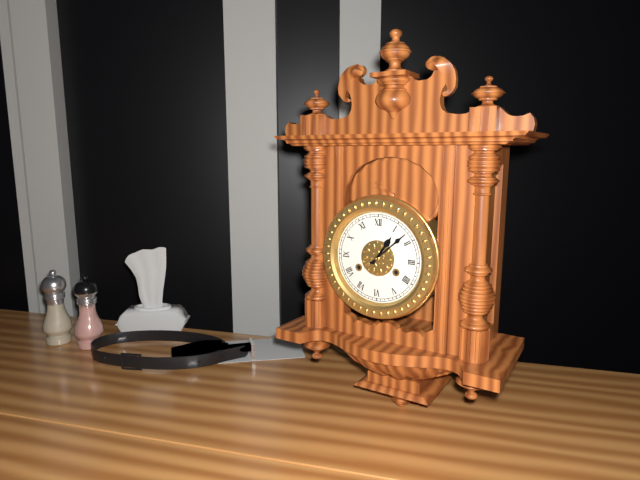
1.08
